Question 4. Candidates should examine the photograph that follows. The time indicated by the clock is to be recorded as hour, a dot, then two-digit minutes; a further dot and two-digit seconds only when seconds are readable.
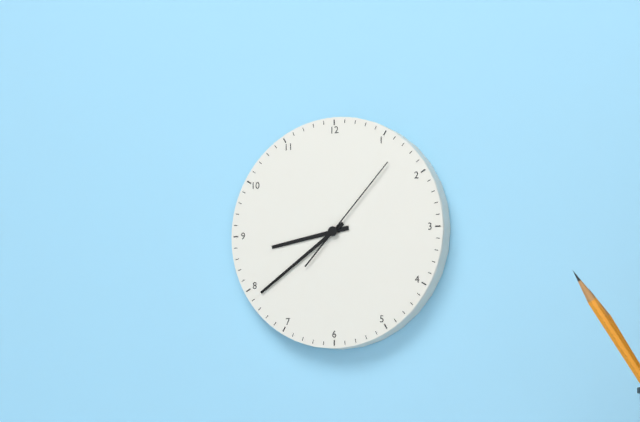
8.39.07
